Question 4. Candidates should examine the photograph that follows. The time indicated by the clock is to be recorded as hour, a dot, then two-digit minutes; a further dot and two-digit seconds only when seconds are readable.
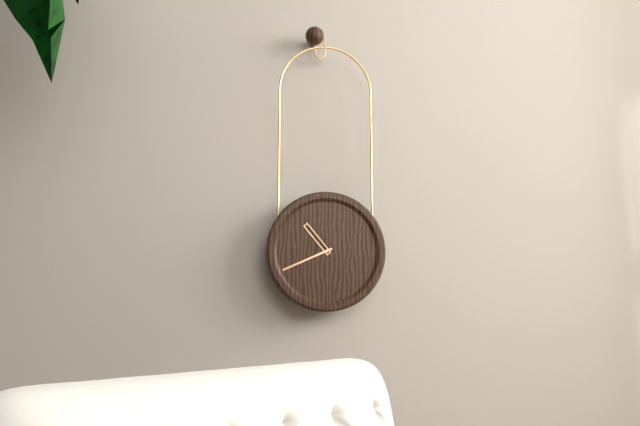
10.41
